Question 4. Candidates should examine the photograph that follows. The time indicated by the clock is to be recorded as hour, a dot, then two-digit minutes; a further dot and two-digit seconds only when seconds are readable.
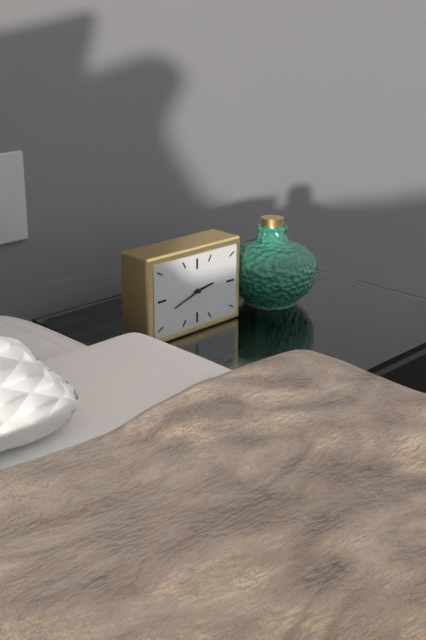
2.42
